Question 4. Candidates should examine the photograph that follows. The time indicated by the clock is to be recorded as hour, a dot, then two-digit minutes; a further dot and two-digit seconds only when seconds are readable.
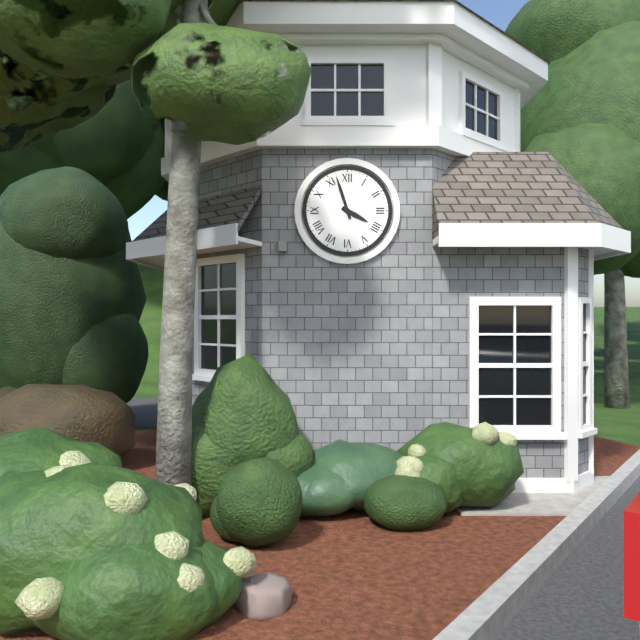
3.57
